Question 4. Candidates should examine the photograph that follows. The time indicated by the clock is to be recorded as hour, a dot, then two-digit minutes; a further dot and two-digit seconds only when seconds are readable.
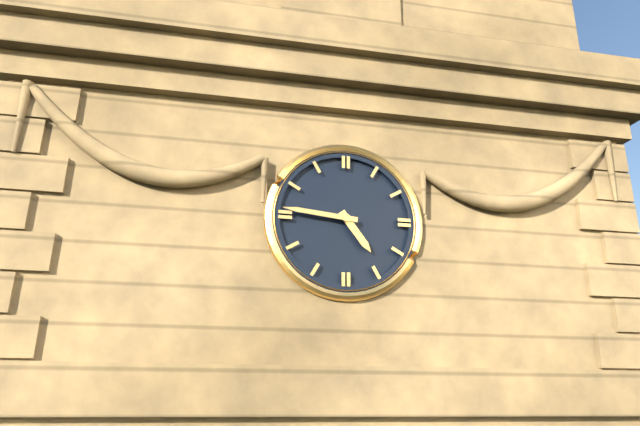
4.46
